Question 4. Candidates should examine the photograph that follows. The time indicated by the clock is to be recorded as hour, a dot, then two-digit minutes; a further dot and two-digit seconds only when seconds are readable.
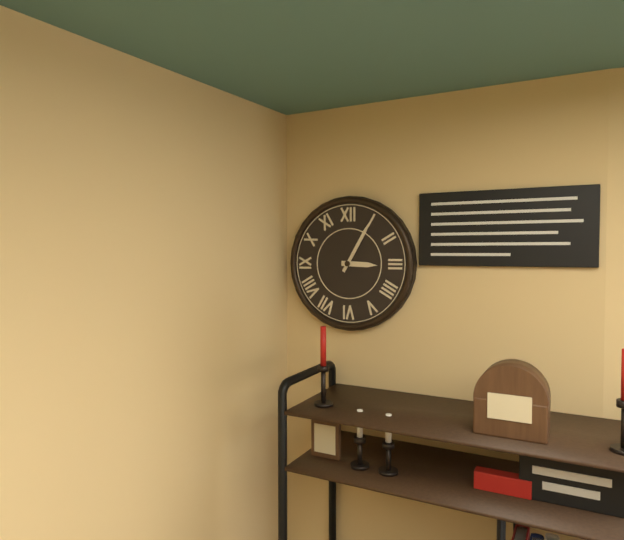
3.05
